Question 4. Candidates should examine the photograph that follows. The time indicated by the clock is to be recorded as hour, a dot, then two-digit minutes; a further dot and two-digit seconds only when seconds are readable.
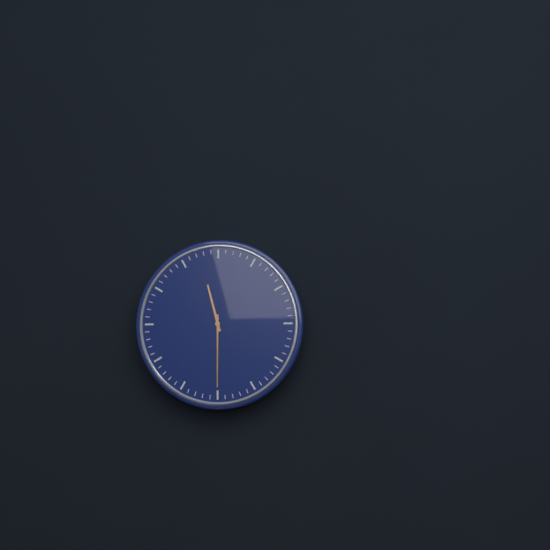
11.30
